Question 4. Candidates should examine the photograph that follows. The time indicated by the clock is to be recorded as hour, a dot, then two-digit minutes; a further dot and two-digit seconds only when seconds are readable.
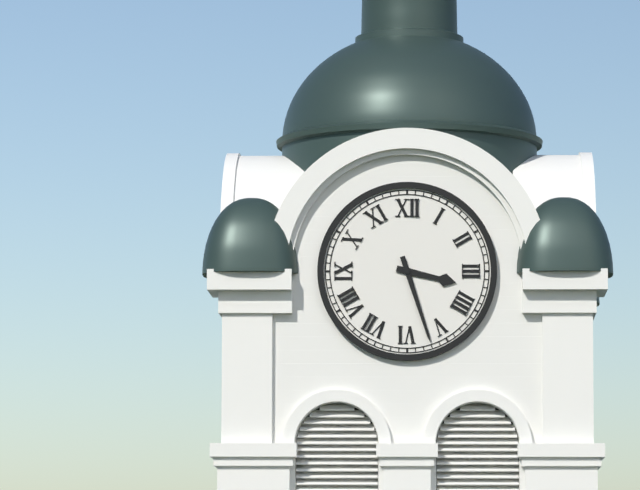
3.27
